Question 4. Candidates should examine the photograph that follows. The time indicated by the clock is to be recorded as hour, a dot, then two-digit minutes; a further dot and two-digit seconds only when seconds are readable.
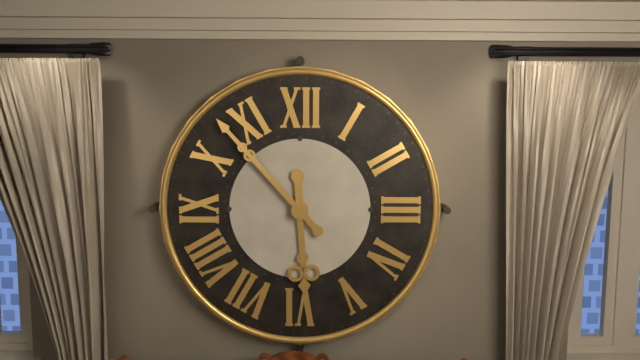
5.53
